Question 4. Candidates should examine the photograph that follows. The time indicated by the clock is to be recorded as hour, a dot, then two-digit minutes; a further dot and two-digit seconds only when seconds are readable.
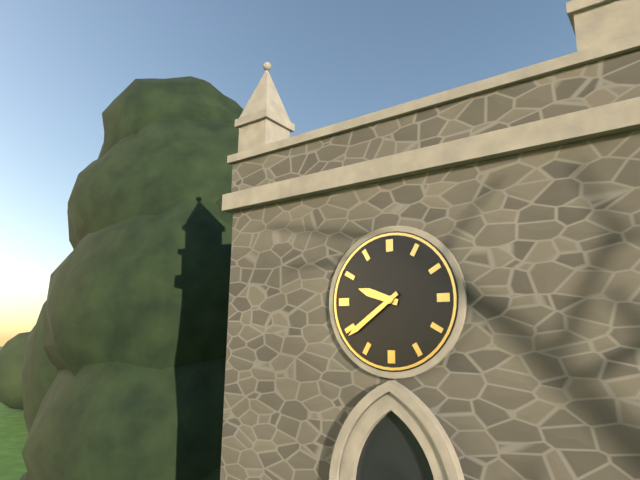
9.39
